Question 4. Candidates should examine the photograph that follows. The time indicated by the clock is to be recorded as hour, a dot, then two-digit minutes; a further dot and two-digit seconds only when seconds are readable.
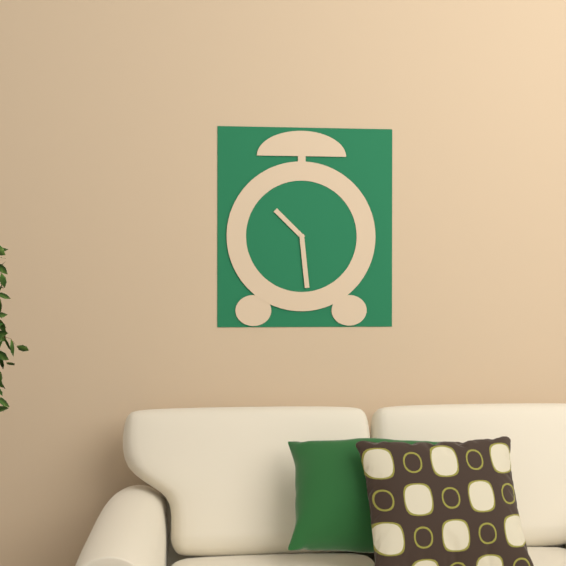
10.29
